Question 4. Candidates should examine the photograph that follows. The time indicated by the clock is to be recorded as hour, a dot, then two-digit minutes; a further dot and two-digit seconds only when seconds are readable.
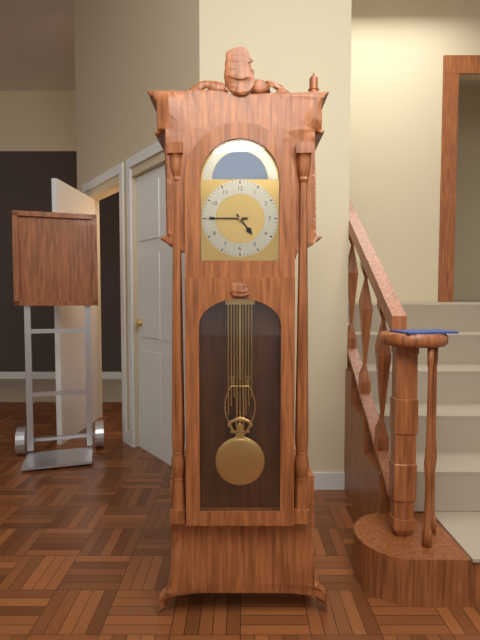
4.45
